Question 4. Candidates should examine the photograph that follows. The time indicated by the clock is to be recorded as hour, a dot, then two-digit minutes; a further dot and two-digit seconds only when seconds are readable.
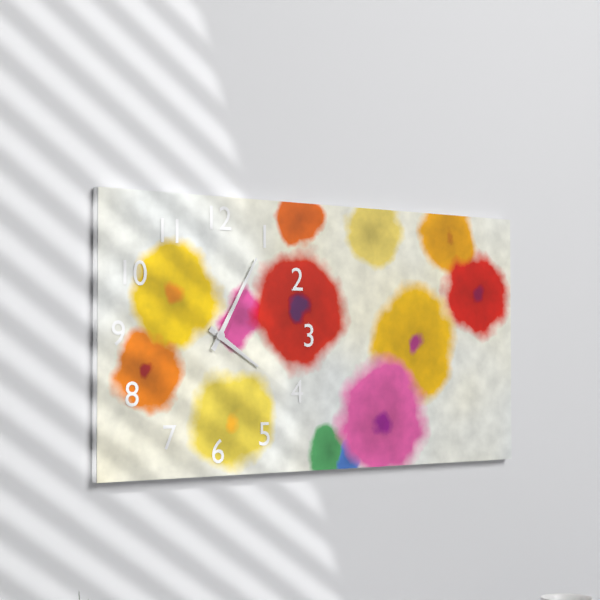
4.05
